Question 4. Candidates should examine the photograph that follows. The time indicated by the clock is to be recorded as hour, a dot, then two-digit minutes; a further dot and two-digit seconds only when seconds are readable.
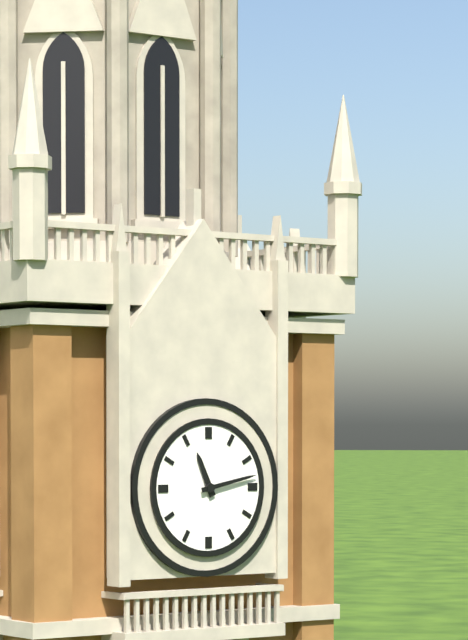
11.13
